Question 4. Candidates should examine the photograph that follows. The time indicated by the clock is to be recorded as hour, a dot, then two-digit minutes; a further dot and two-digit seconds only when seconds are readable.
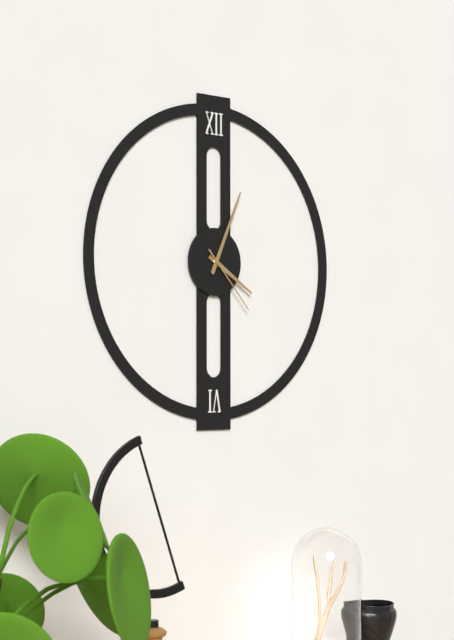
4.04.23
